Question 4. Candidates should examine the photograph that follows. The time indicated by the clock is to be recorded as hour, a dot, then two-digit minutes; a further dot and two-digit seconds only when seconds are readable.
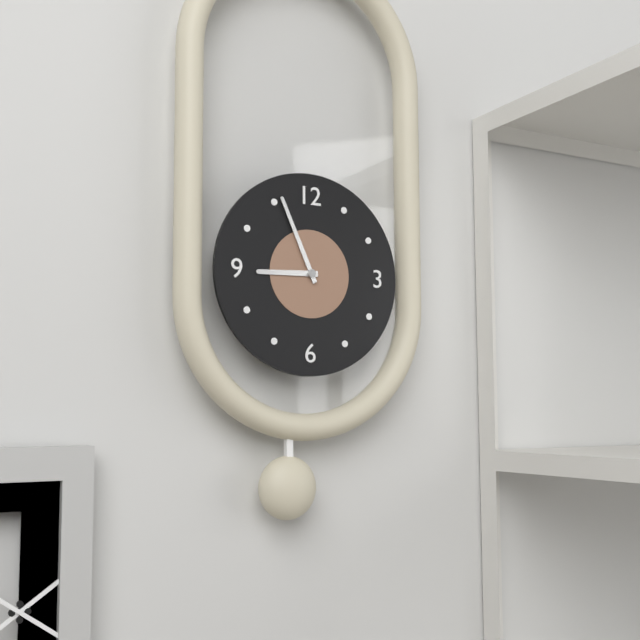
8.56
